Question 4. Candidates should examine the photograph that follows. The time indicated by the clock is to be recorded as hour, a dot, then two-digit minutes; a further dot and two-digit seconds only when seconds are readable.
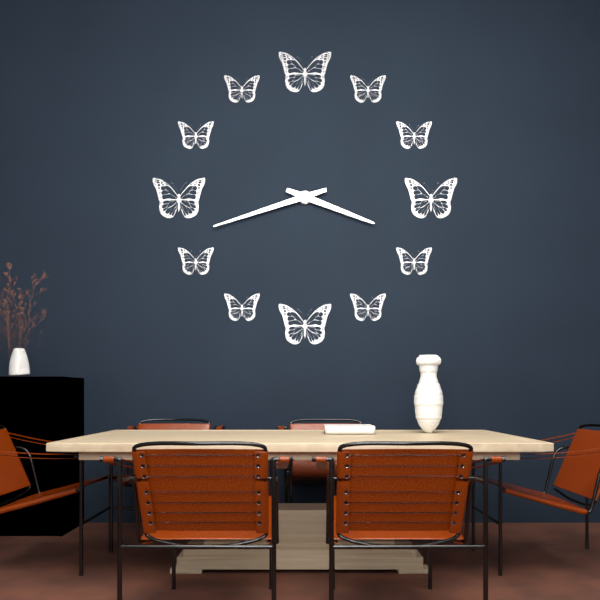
3.42
